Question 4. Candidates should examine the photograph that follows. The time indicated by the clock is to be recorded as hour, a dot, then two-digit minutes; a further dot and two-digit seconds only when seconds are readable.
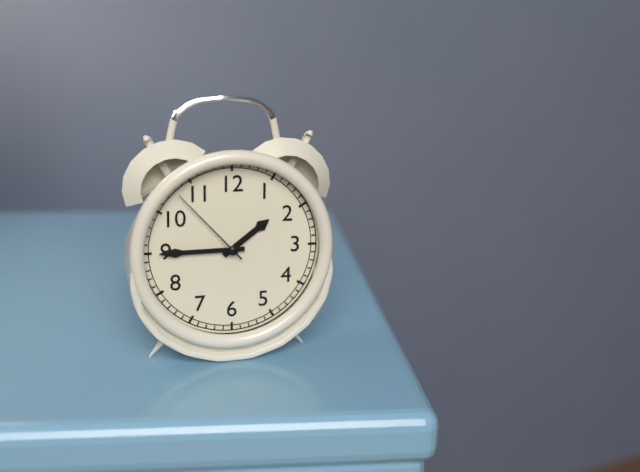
1.45.53
